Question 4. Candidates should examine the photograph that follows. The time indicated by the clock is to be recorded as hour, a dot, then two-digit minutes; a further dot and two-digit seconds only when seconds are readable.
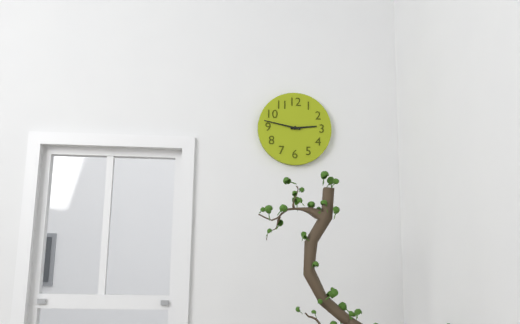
2.47
